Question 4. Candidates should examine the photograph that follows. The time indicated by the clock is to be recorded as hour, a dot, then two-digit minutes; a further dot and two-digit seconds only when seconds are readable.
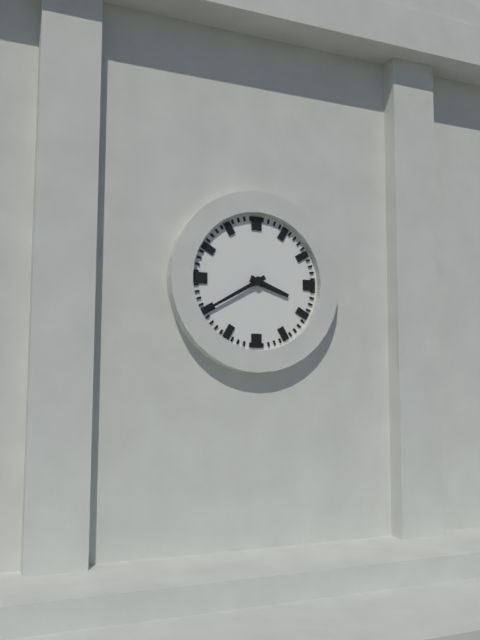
3.40
